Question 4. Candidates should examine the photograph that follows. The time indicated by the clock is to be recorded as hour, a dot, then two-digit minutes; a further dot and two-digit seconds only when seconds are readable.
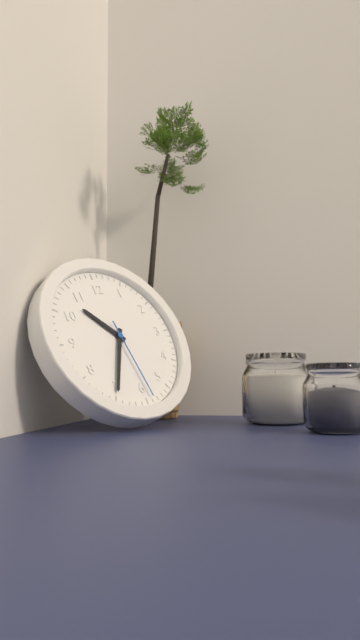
10.35.29
